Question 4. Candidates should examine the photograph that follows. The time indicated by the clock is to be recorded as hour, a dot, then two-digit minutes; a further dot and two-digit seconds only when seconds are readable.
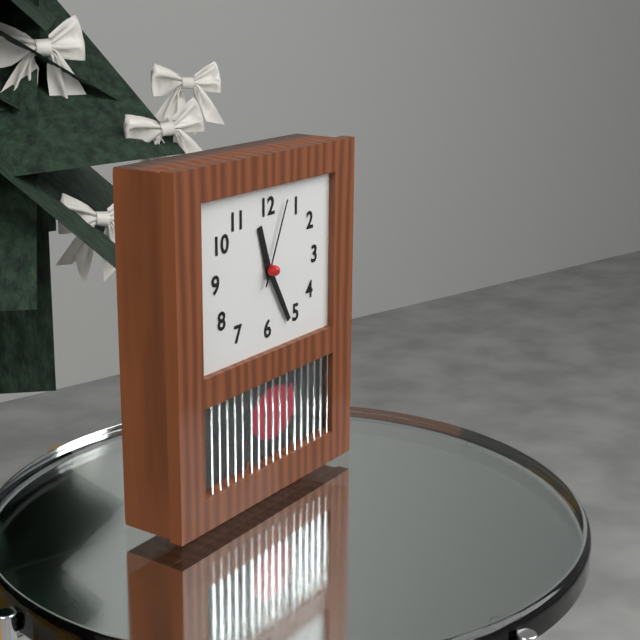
11.25.04
